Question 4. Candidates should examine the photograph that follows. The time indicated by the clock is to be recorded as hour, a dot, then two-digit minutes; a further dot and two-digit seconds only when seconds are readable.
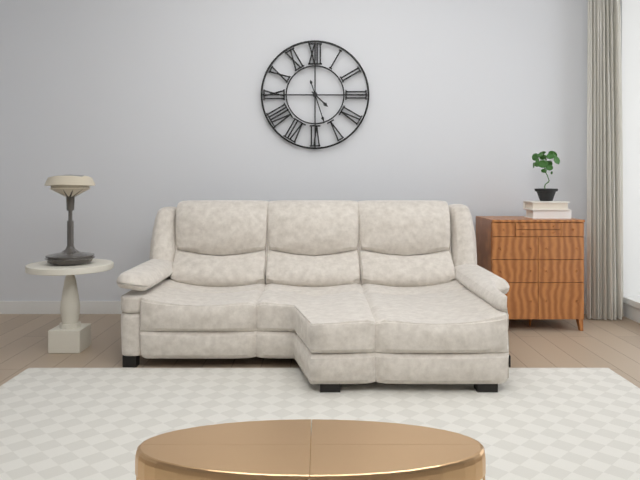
4.27
